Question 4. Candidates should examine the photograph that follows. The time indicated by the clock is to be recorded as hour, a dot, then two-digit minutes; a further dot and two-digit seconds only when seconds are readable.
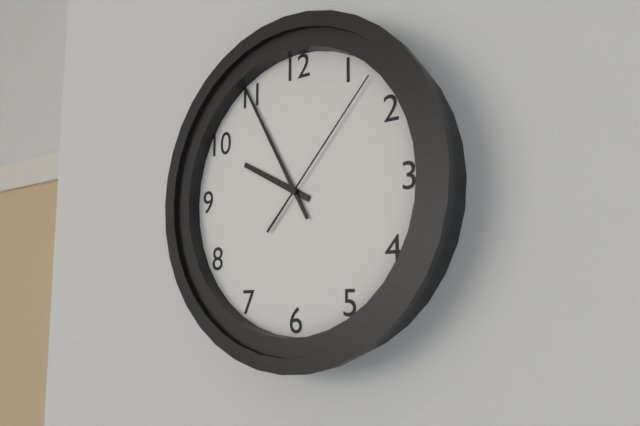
9.55.07
